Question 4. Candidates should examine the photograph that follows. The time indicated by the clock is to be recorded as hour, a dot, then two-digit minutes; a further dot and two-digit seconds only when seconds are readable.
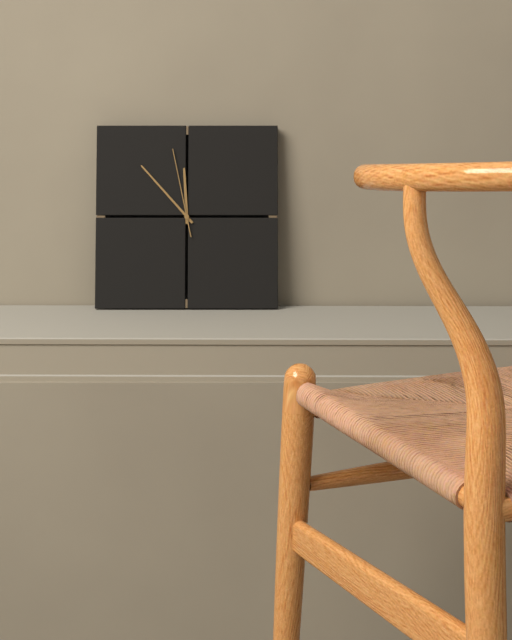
11.53.58
